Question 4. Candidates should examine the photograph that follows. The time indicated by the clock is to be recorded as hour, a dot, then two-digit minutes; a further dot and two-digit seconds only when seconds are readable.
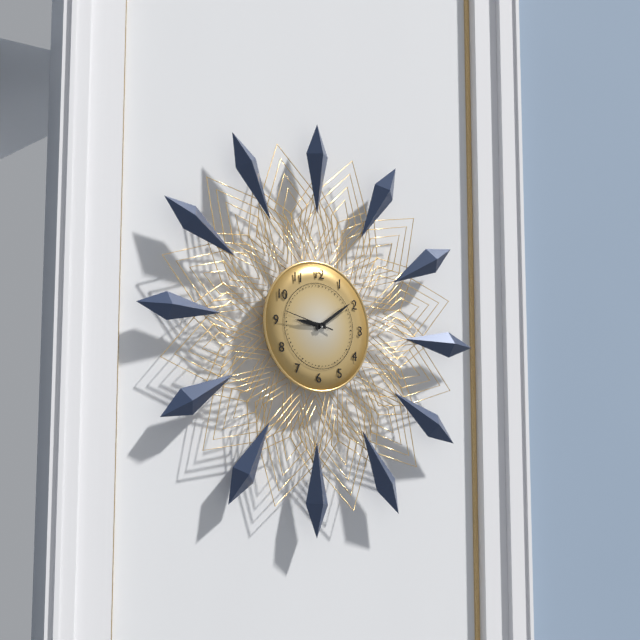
9.09
